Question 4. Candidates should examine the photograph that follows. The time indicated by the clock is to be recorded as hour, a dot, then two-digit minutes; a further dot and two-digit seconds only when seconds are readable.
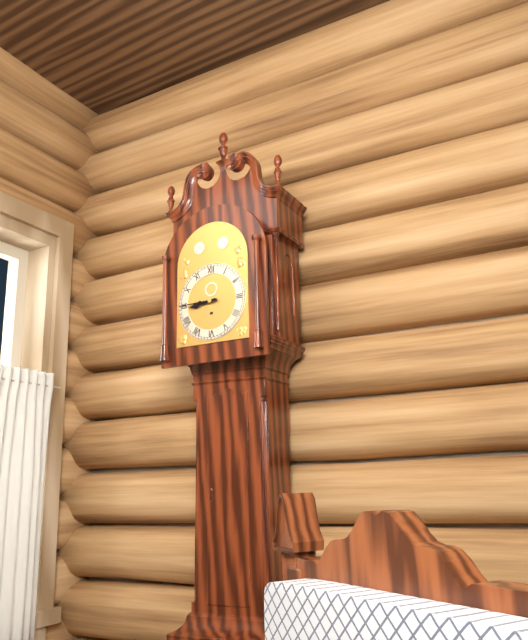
8.45
